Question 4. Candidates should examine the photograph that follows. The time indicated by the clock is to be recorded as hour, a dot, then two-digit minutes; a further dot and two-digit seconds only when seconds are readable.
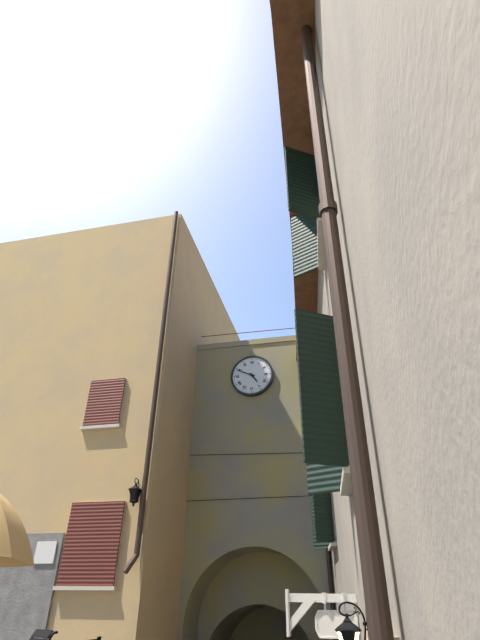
4.49
